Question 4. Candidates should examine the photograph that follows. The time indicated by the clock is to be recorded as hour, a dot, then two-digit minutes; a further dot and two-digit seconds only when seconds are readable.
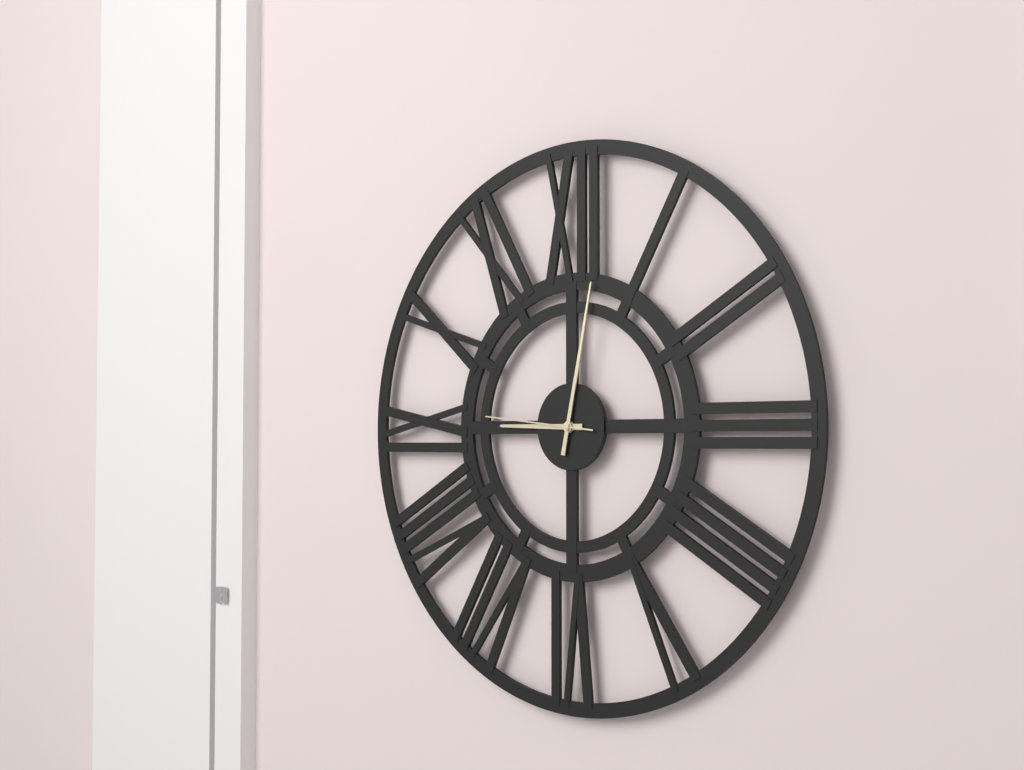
9.02.46
